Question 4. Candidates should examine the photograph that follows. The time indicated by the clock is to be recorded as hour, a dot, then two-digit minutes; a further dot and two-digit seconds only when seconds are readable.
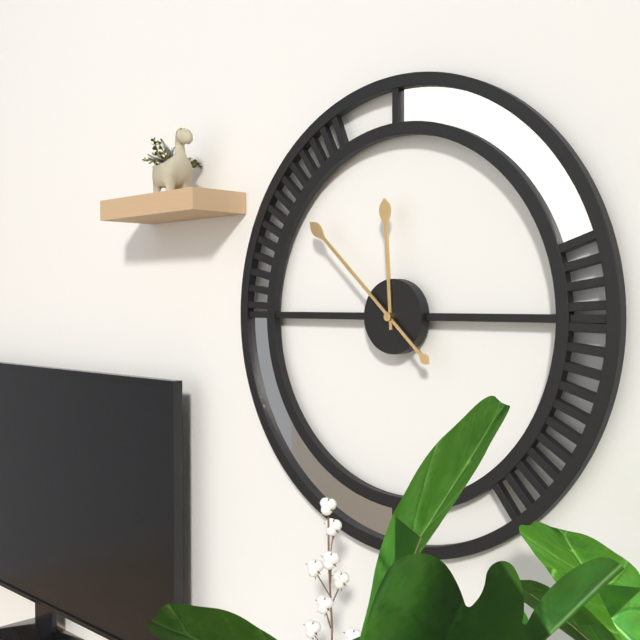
11.52
